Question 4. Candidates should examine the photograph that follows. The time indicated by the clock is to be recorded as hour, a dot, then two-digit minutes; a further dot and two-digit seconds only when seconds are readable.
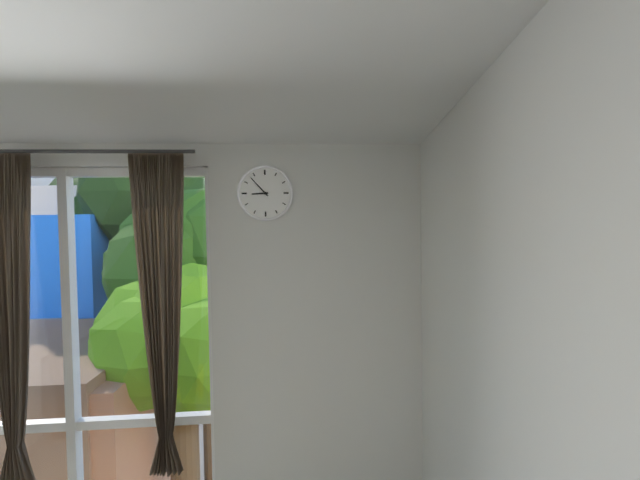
8.53
